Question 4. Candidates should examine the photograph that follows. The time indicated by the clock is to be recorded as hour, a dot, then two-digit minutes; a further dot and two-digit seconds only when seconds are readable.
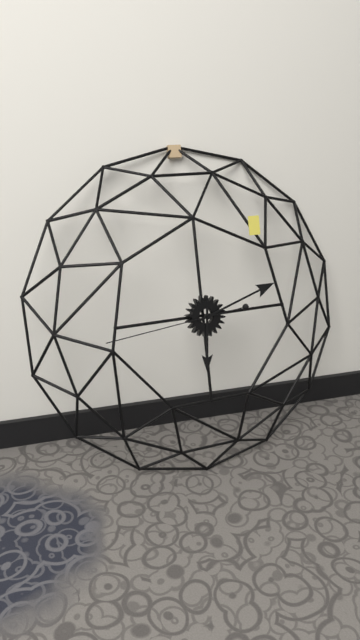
6.12.44
